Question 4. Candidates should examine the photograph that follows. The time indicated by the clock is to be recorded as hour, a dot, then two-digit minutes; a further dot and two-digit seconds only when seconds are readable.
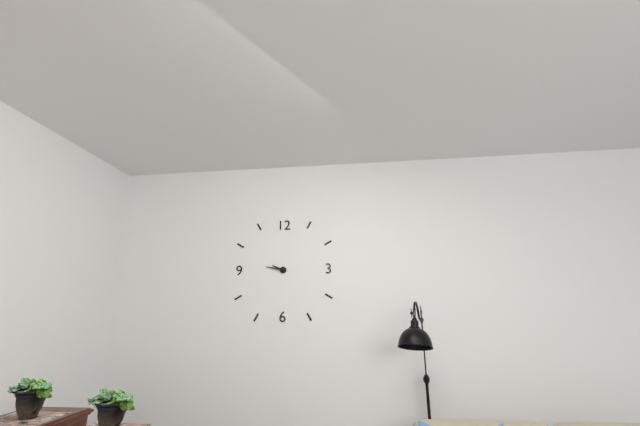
9.47
